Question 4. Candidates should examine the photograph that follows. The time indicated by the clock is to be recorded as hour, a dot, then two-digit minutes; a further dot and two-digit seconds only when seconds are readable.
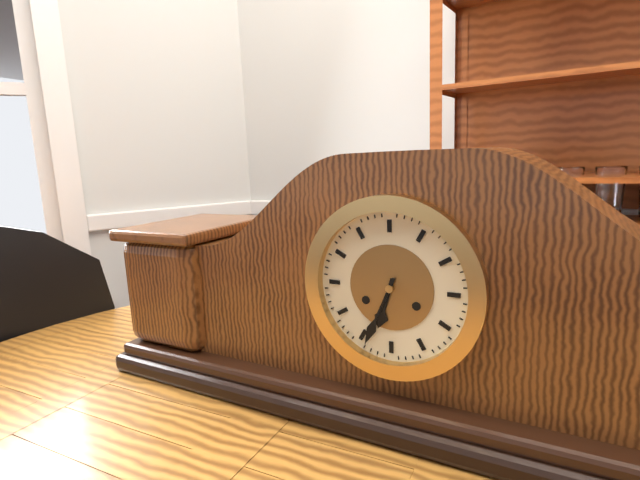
6.34
